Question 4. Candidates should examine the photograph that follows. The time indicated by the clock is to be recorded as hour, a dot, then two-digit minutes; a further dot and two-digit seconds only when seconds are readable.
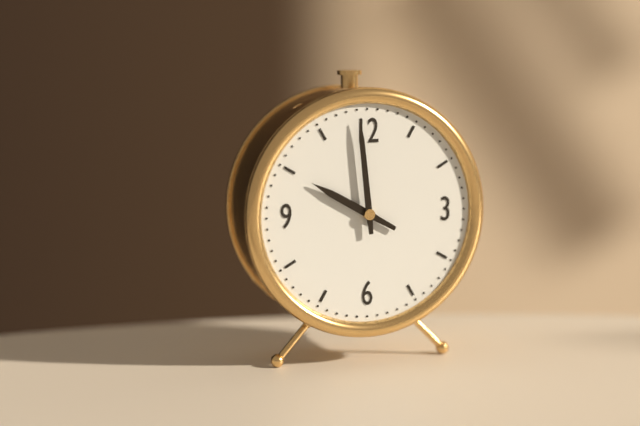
9.59
